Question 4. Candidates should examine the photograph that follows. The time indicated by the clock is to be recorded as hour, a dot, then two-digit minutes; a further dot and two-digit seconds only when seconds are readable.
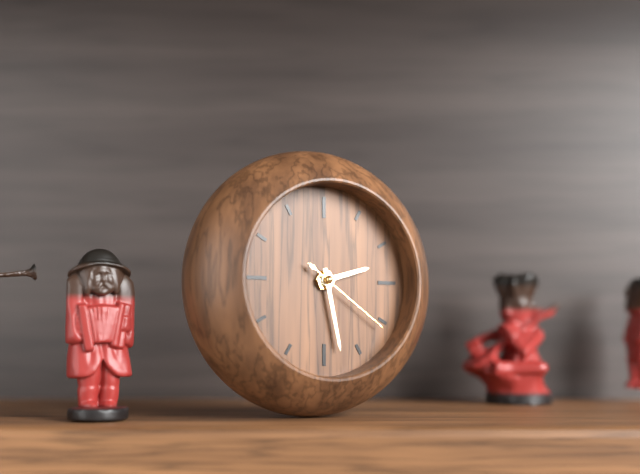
2.28.21
